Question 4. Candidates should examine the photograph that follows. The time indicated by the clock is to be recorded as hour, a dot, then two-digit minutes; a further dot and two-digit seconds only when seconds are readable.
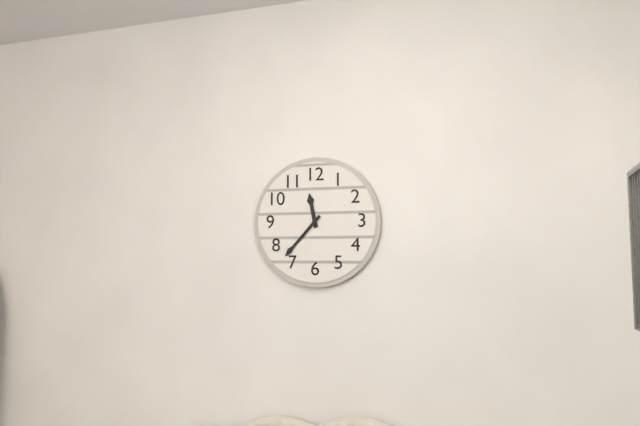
11.37
